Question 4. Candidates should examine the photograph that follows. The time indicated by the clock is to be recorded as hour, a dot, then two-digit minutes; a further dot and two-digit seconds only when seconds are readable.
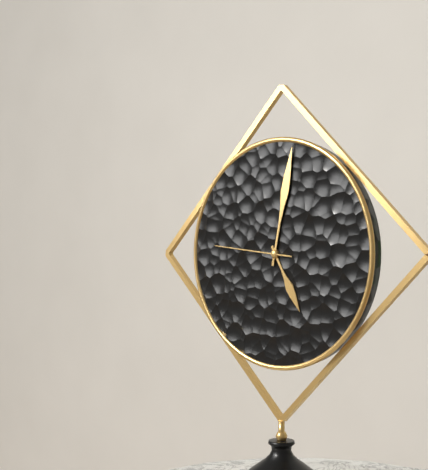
5.02.46
